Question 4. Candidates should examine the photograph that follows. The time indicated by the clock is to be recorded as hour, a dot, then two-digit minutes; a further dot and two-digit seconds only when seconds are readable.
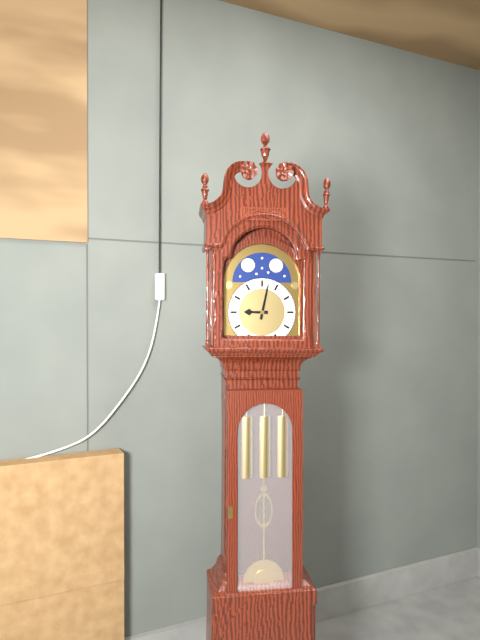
9.02
